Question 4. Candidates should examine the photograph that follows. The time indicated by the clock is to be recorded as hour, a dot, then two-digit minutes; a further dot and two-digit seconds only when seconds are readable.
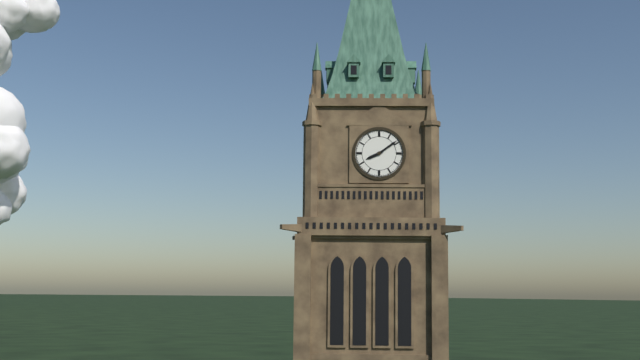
8.09
